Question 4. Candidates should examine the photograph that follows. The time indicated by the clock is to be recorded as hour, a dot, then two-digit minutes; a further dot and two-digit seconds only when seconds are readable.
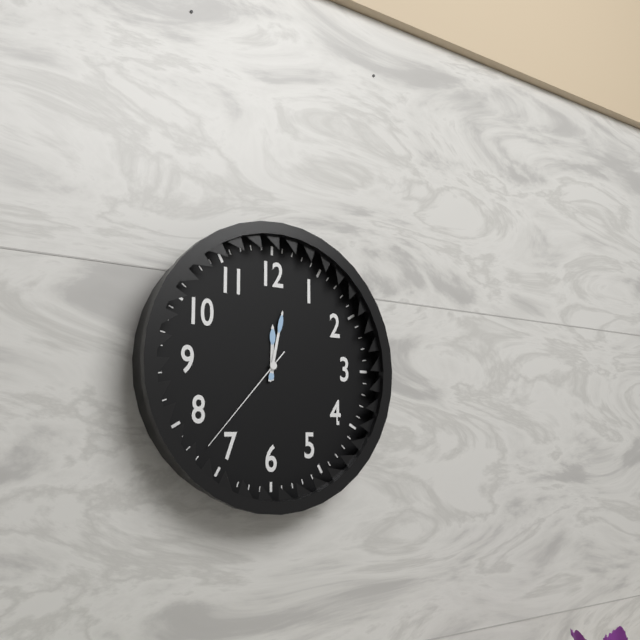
12.02.37
